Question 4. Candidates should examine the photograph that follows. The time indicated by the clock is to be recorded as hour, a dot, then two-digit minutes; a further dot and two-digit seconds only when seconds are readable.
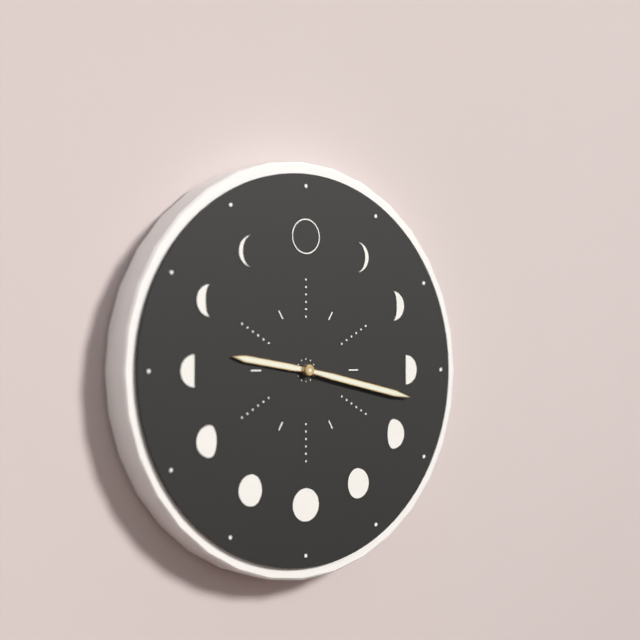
9.17
